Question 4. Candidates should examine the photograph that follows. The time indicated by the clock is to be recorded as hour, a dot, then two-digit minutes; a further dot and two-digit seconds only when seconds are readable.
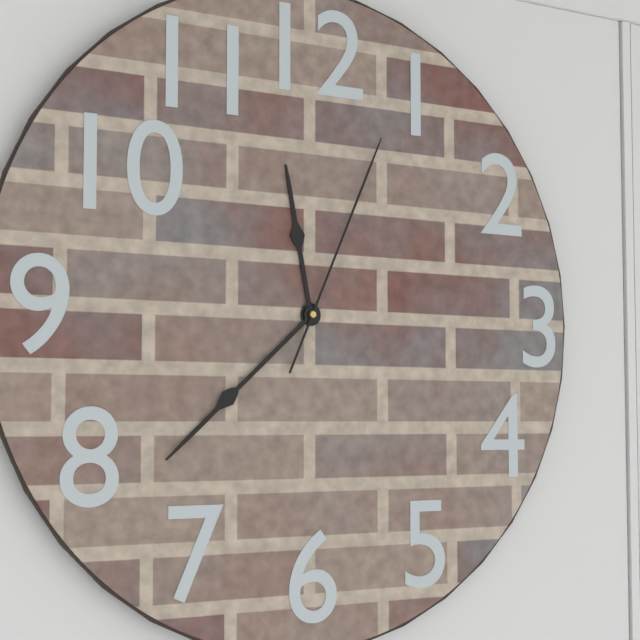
11.38.04
